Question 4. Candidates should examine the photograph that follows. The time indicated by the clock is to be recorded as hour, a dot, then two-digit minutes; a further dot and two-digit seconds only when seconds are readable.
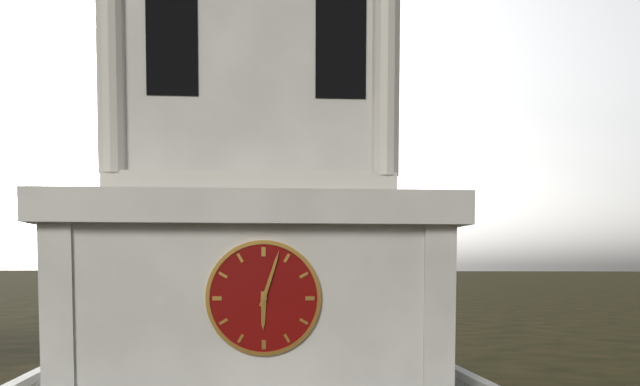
6.03
